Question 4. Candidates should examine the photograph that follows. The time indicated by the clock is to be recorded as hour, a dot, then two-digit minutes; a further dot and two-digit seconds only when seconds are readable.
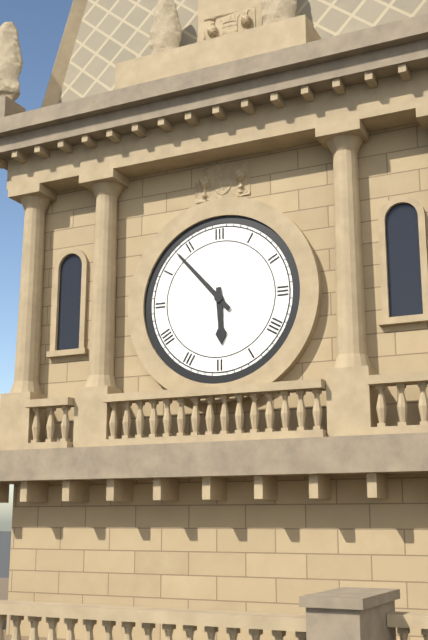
5.53
